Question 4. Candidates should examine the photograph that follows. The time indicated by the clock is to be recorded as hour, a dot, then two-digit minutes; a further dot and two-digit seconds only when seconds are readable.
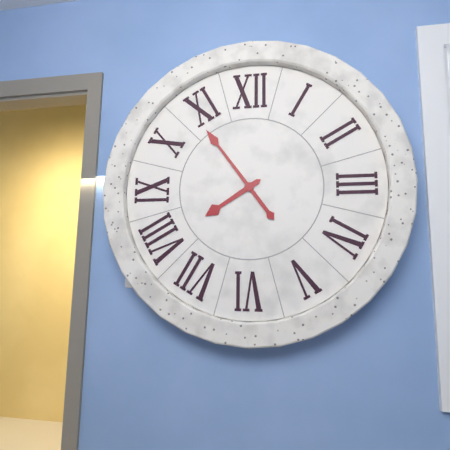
7.54
